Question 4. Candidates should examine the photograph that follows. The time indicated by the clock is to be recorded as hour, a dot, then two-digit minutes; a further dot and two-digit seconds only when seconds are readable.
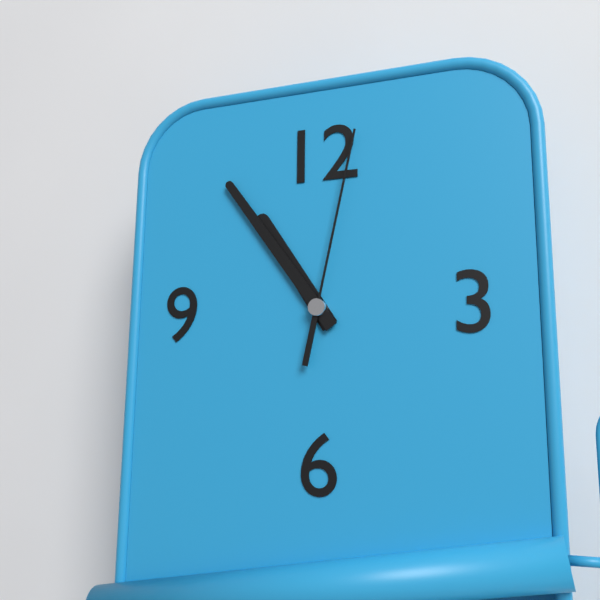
10.54.02
